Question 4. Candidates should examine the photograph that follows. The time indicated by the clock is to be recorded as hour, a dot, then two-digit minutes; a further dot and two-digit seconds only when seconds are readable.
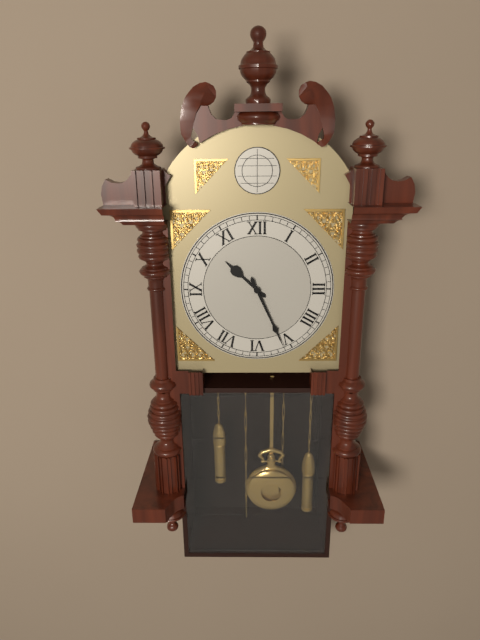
10.26
